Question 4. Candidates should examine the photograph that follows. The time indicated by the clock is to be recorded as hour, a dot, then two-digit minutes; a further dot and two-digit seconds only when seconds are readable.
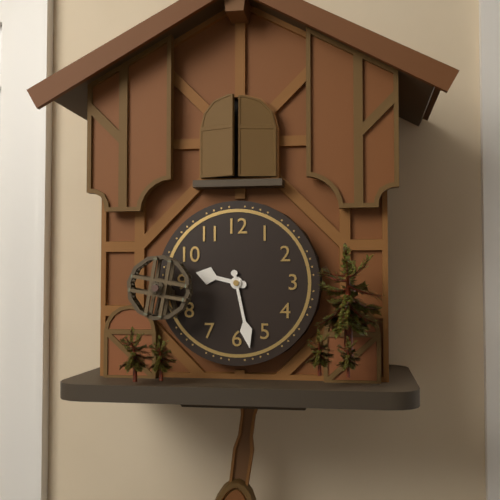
9.28
